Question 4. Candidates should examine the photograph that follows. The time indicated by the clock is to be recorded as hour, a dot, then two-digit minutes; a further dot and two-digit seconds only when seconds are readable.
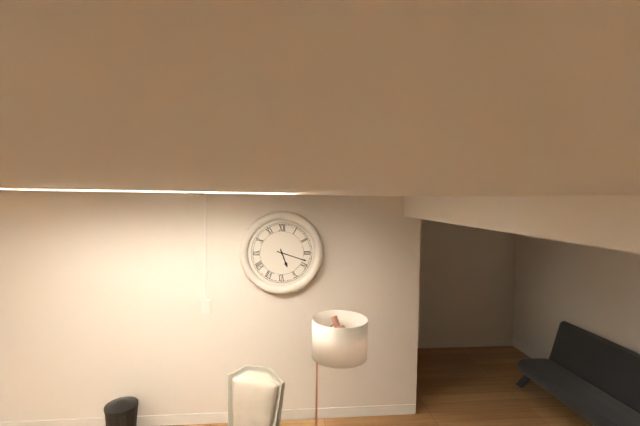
5.18
